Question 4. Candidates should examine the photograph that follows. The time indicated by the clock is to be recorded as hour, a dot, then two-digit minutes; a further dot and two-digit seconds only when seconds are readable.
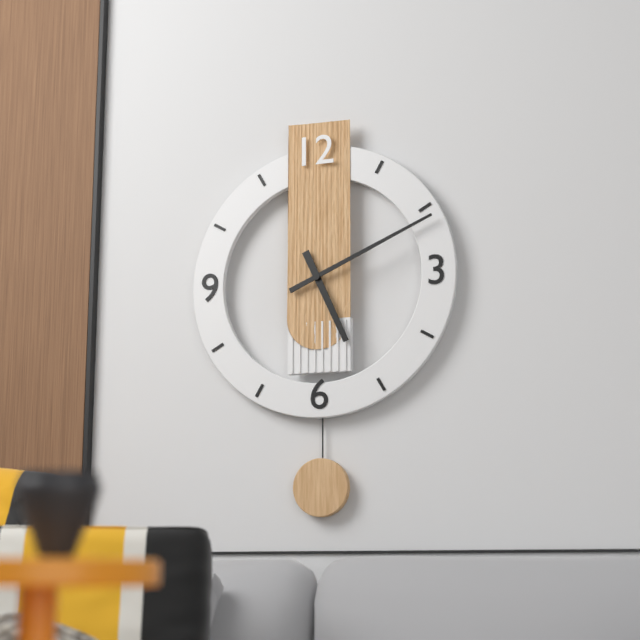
5.11
